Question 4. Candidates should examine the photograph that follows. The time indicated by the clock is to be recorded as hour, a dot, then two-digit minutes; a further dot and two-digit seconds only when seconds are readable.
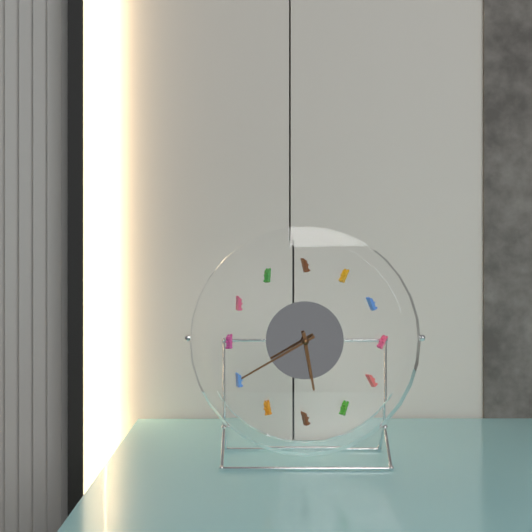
5.40
